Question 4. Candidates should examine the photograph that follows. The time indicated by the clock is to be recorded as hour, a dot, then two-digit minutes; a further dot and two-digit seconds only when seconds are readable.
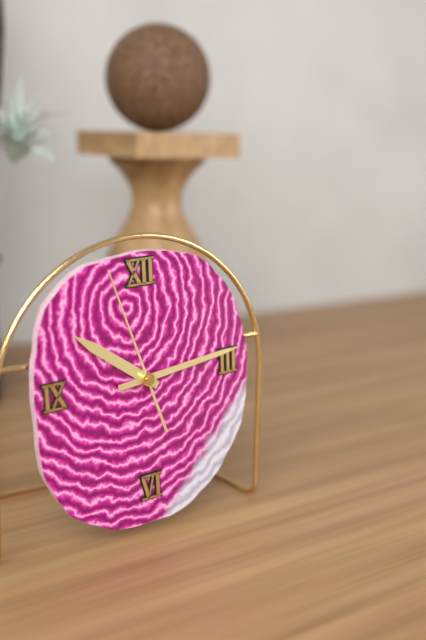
10.14.57
